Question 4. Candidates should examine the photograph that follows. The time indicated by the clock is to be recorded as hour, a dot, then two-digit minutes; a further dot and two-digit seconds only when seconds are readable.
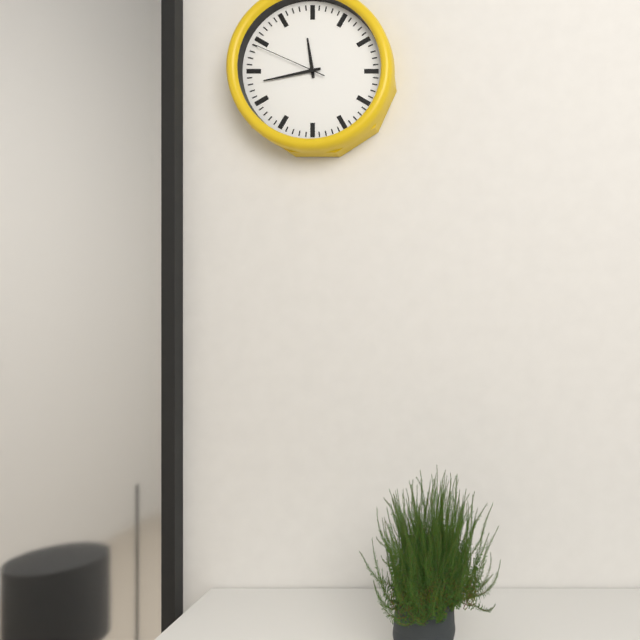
11.43.49
